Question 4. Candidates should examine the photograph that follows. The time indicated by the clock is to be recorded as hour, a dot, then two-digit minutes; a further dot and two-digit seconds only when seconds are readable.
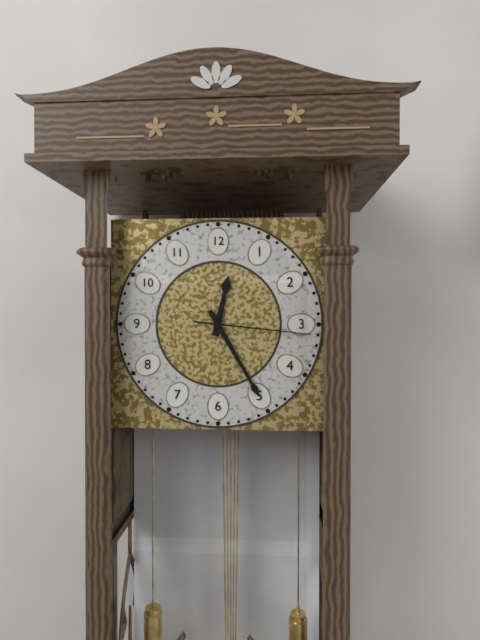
12.25.16
